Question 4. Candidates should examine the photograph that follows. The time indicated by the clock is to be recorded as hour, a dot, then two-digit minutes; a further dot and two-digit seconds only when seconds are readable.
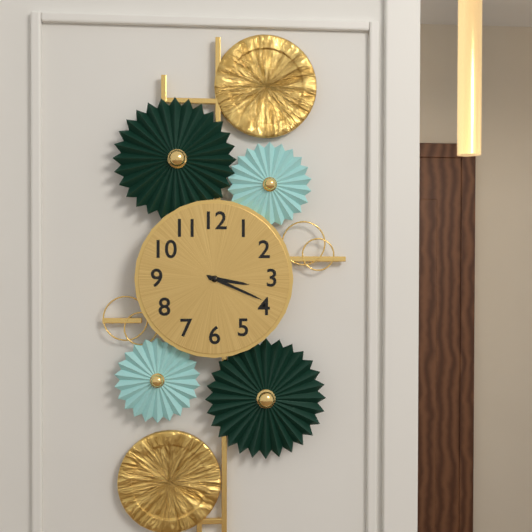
3.19
